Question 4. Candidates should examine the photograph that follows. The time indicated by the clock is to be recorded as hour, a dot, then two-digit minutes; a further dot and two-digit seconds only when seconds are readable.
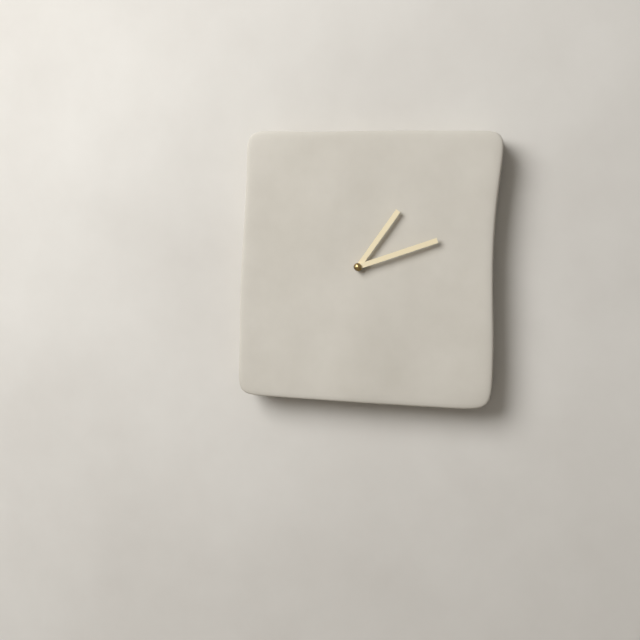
1.12
